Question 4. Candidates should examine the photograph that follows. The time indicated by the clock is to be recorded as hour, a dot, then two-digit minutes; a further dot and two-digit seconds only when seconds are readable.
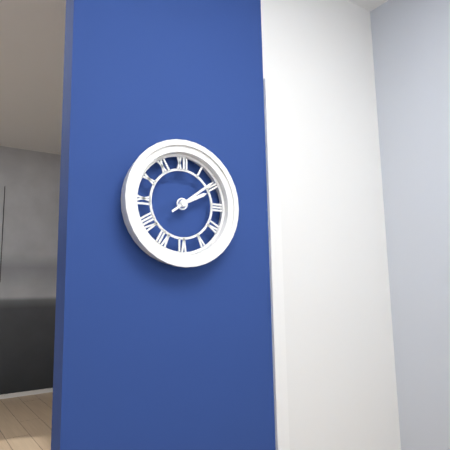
2.09
